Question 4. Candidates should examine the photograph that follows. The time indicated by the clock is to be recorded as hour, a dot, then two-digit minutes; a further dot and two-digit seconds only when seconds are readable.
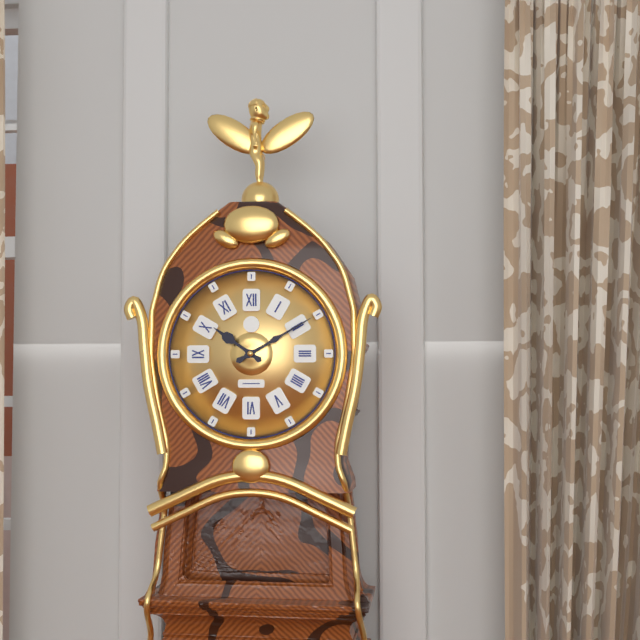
10.10
